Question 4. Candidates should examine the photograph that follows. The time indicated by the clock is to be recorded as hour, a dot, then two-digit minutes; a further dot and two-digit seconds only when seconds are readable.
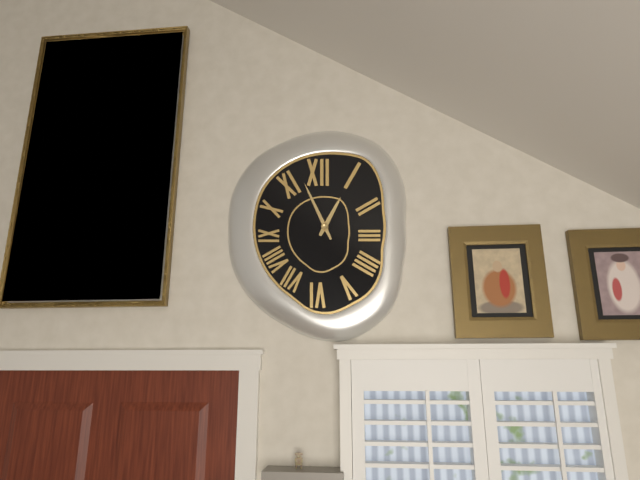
12.56
